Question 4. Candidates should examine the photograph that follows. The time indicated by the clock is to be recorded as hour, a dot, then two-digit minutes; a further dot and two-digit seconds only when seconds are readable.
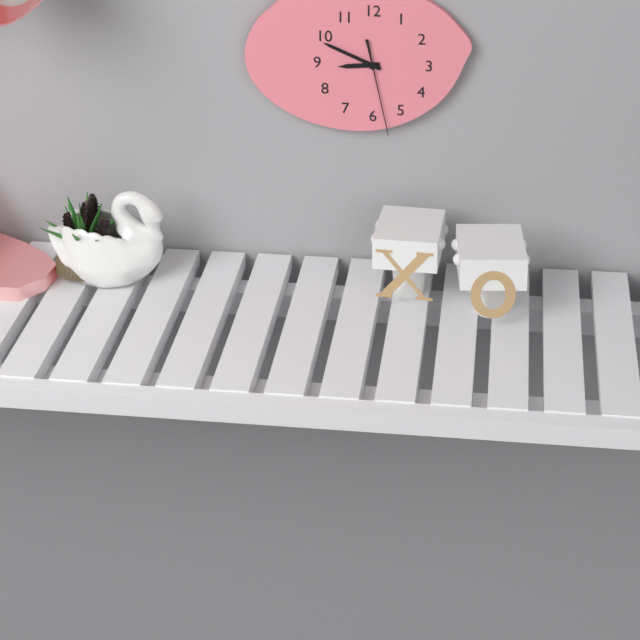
8.49.28
